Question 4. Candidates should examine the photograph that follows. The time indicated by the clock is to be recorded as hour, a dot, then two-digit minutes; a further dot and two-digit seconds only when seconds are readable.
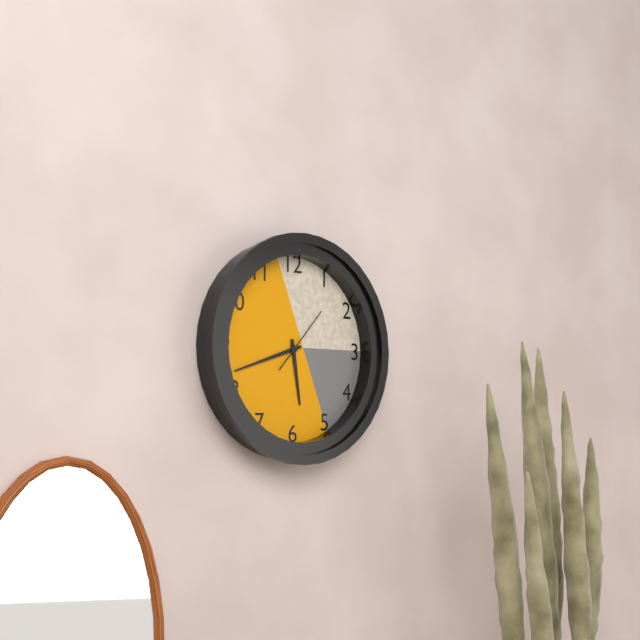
5.42.07
